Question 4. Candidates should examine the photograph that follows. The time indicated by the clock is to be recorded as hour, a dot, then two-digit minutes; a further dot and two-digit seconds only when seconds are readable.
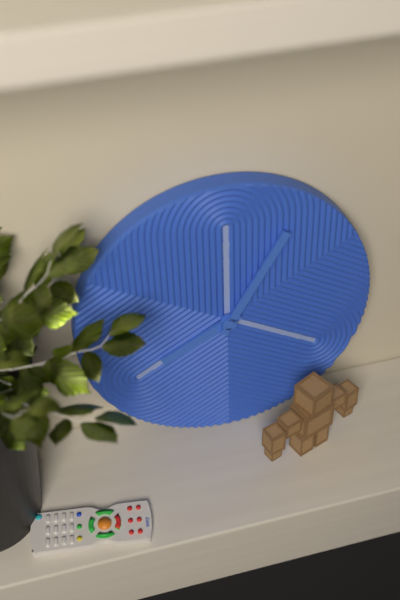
8.05
